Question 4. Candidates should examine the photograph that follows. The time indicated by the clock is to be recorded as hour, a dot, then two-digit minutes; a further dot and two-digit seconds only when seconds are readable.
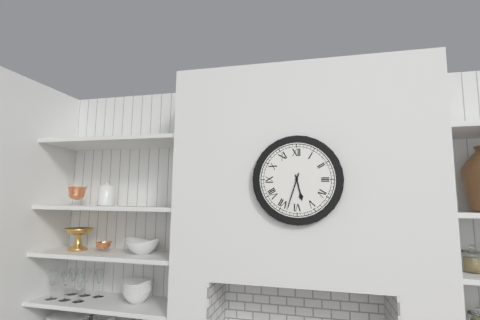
5.33
